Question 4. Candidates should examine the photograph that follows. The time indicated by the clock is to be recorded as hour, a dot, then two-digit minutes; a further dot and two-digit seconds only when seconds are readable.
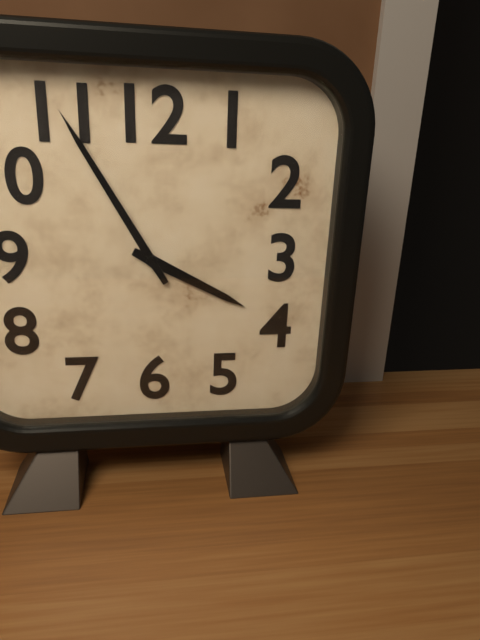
3.55
